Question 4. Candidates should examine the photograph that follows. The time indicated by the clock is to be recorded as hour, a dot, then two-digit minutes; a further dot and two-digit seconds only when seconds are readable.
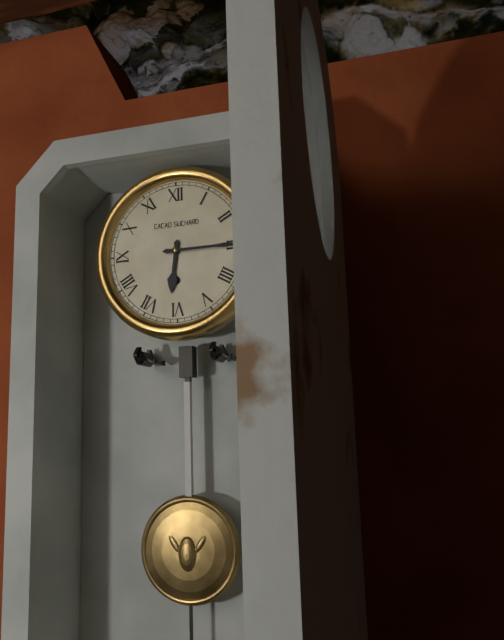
6.15
